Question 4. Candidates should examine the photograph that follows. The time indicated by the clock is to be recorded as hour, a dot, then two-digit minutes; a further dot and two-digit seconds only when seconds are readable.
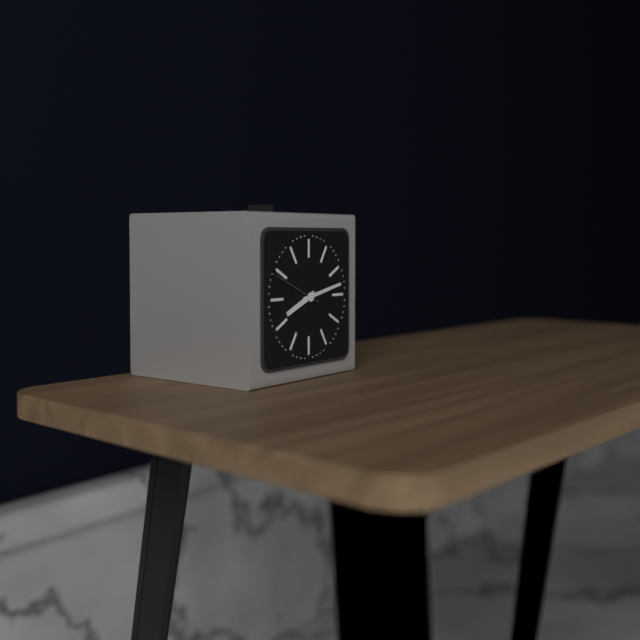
8.13
